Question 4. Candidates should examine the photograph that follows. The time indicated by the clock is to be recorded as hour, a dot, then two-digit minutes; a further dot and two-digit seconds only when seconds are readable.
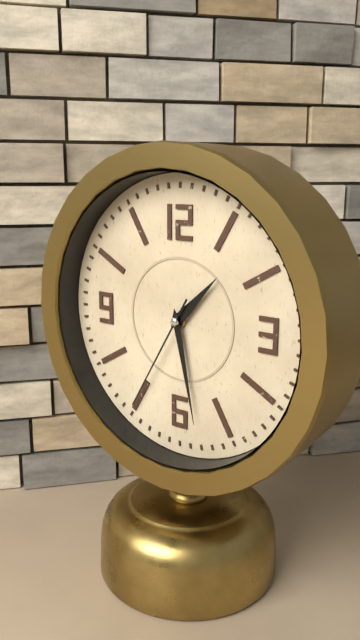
1.28.35
